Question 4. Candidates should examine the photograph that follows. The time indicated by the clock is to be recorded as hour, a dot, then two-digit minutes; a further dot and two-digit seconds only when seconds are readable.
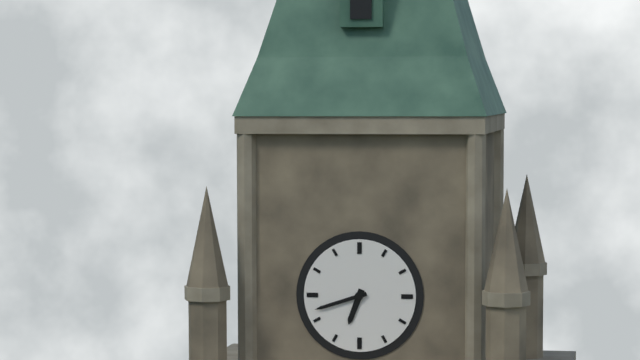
6.42
